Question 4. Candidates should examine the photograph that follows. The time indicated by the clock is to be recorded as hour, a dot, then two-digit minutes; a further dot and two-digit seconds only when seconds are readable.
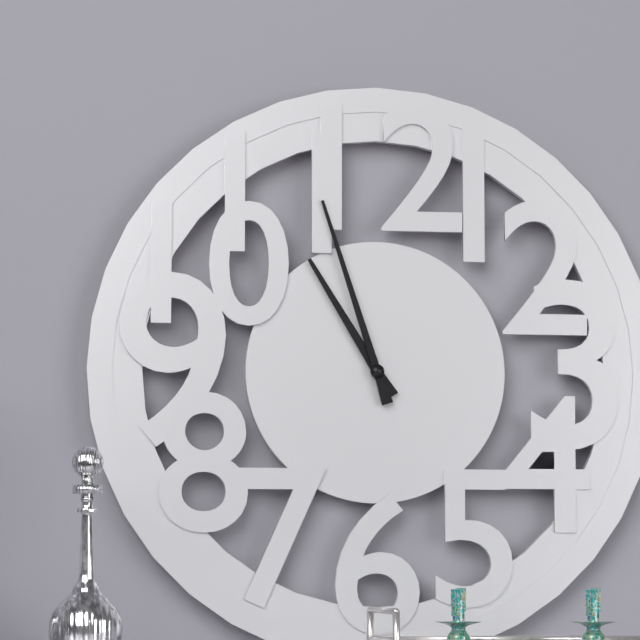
10.57
